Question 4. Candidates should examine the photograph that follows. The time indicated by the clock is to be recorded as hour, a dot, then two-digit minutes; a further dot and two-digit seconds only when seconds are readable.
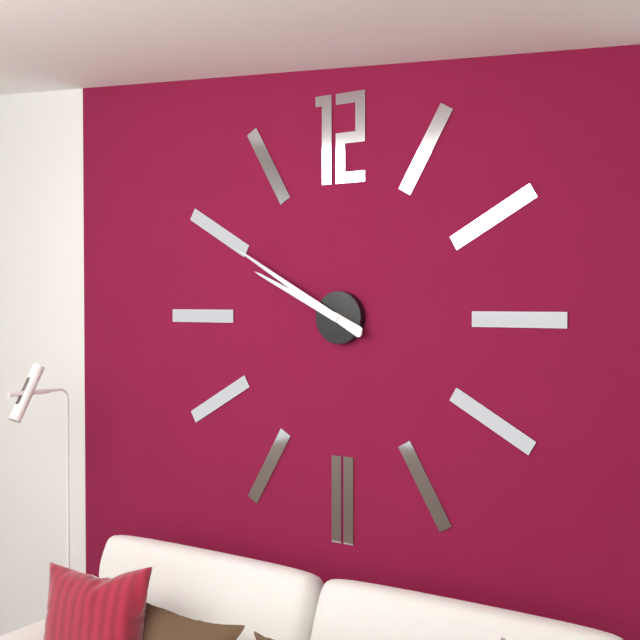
9.50
